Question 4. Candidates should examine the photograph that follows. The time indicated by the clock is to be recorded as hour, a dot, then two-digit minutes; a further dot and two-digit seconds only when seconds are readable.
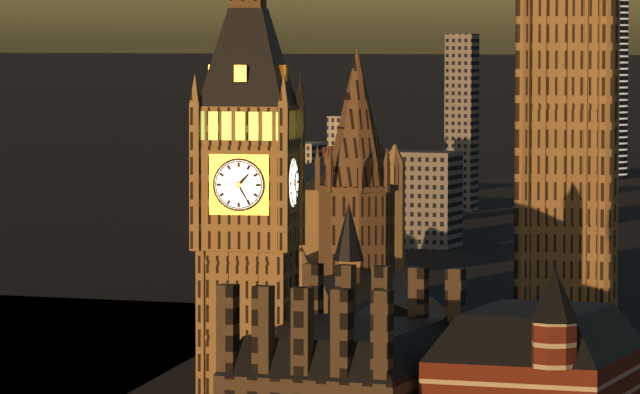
1.25
